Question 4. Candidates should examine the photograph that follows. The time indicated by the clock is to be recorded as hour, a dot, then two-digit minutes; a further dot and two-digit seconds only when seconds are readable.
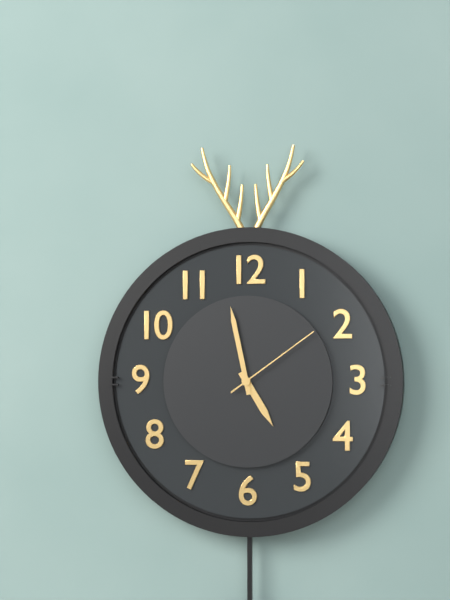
4.58.09
